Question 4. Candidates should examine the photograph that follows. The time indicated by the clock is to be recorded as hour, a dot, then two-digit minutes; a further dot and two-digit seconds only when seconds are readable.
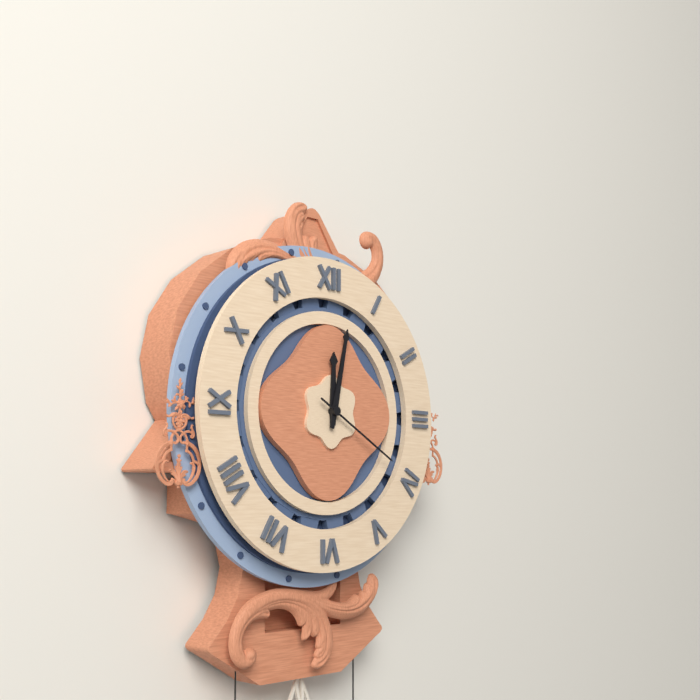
12.02.20
